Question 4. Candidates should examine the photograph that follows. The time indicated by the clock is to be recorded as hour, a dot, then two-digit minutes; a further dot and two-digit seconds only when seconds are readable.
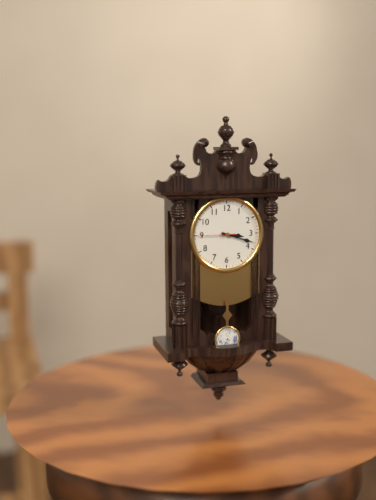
3.18
